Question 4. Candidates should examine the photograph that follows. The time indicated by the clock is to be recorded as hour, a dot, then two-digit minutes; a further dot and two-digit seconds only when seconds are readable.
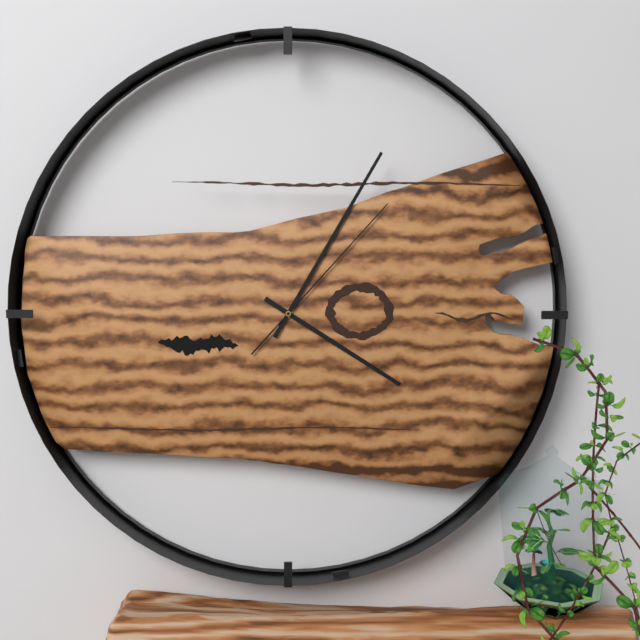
4.05.07
